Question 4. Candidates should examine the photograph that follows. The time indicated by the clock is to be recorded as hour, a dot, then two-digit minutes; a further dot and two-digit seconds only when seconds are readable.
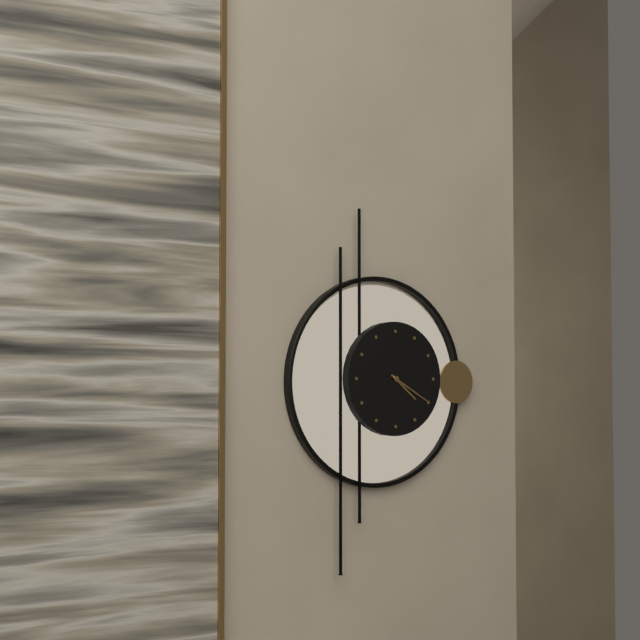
4.20
